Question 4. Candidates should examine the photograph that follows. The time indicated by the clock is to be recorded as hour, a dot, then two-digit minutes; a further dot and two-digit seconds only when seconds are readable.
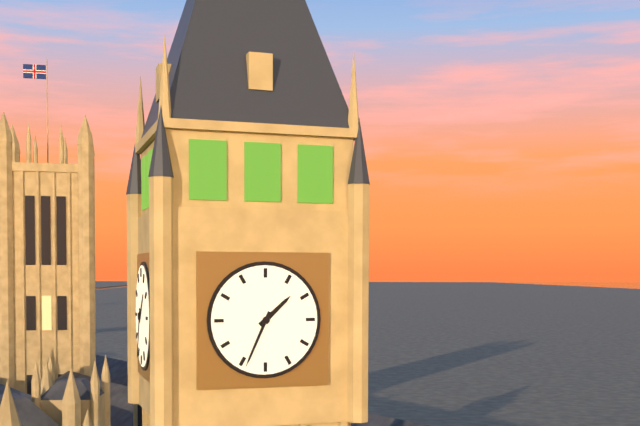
1.34
